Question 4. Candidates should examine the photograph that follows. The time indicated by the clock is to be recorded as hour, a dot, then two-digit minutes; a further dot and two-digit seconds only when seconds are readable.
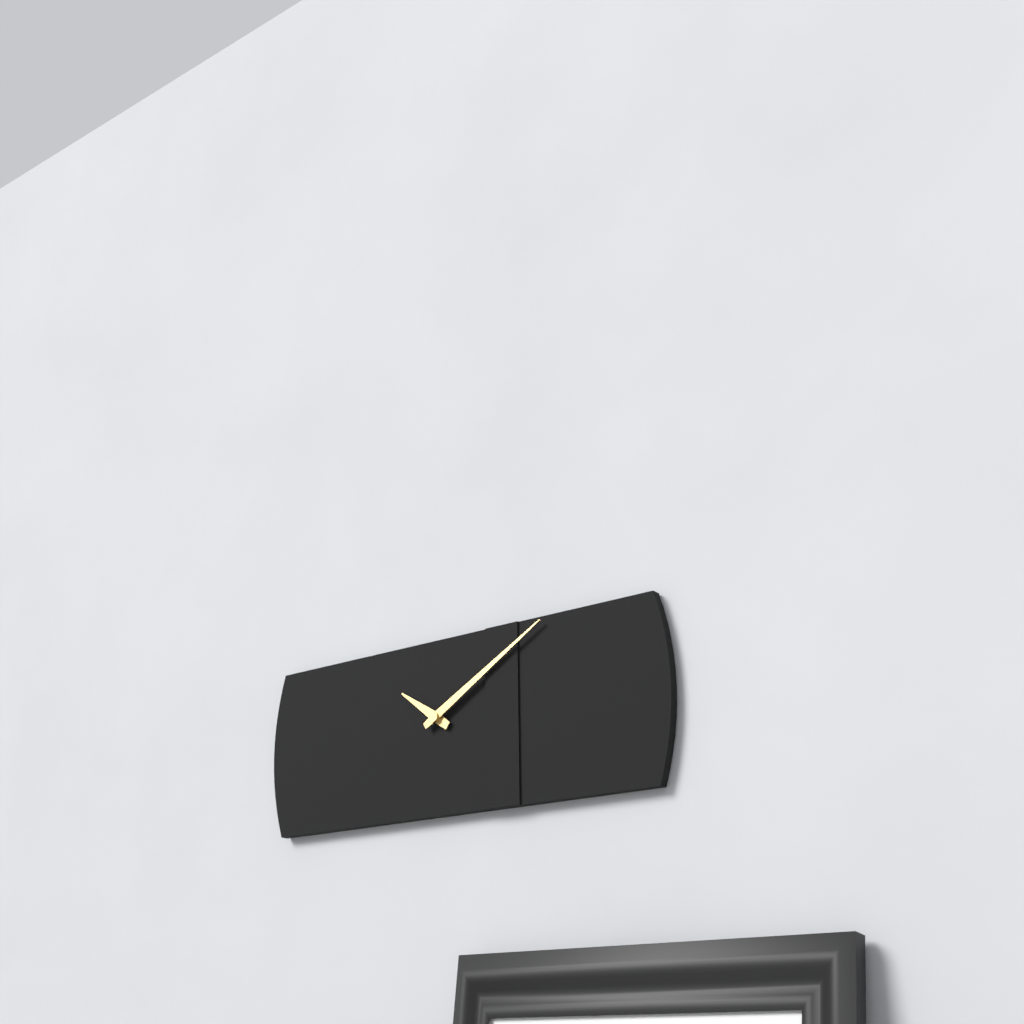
10.10
